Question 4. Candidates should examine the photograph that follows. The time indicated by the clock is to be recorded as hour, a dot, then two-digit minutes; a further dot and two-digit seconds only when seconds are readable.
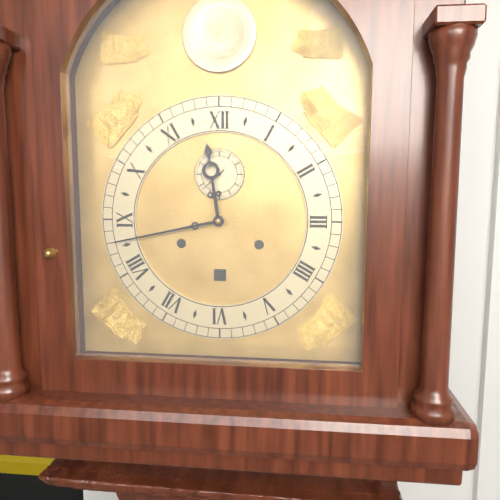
11.43
